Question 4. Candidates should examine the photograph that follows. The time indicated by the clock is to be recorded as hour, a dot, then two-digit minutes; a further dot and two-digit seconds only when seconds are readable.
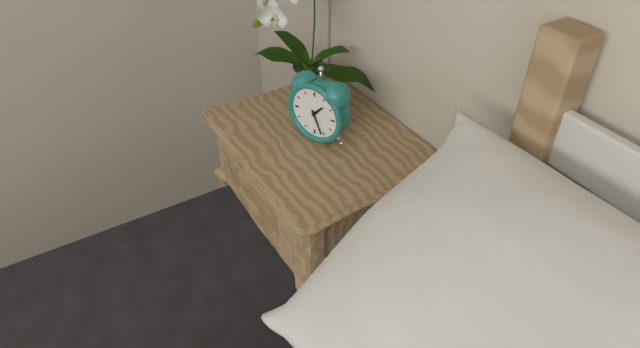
1.26
